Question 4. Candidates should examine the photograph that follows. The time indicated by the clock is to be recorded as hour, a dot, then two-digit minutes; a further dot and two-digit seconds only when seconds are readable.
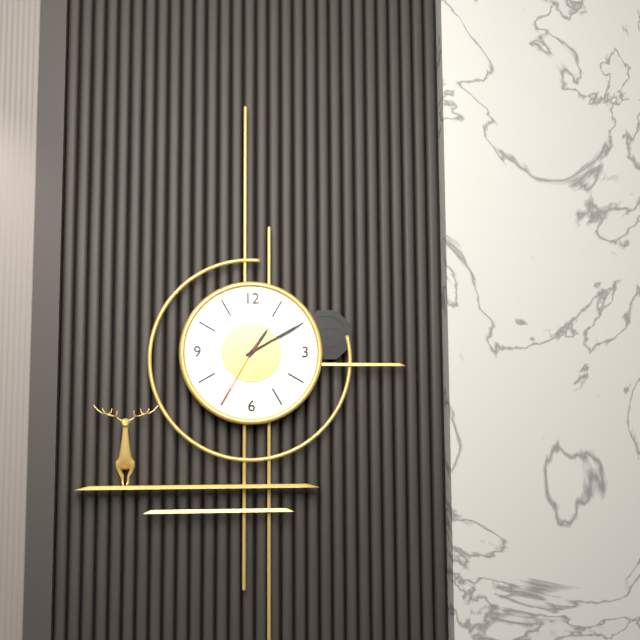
1.10.35
